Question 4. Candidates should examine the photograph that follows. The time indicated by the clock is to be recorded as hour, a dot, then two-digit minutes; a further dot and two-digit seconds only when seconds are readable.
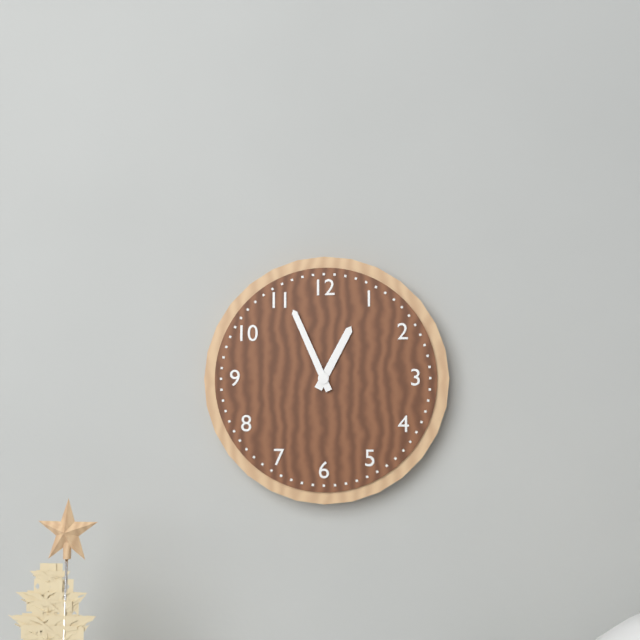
12.56
